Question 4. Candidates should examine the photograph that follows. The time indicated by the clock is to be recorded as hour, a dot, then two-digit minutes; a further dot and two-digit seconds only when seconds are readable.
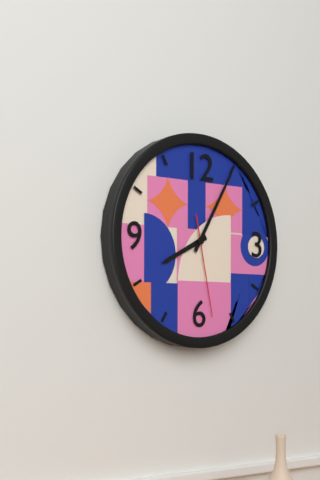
8.05.28
